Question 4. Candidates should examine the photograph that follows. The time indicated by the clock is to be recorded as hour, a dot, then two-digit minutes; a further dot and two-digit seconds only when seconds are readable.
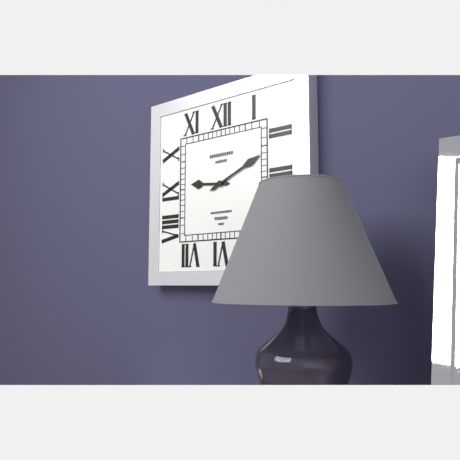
9.11
